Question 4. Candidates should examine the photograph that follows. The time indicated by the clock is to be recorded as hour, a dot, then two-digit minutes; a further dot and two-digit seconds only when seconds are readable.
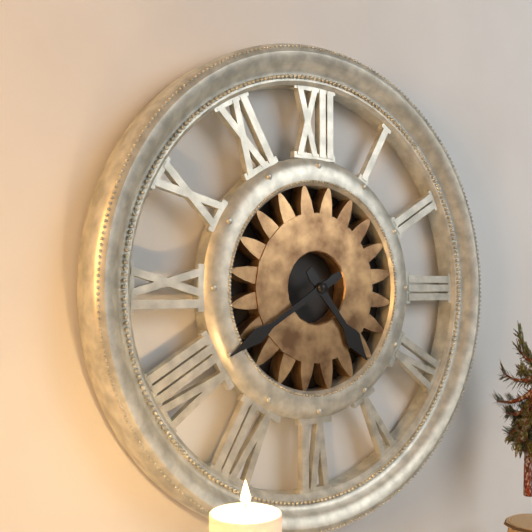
4.40
